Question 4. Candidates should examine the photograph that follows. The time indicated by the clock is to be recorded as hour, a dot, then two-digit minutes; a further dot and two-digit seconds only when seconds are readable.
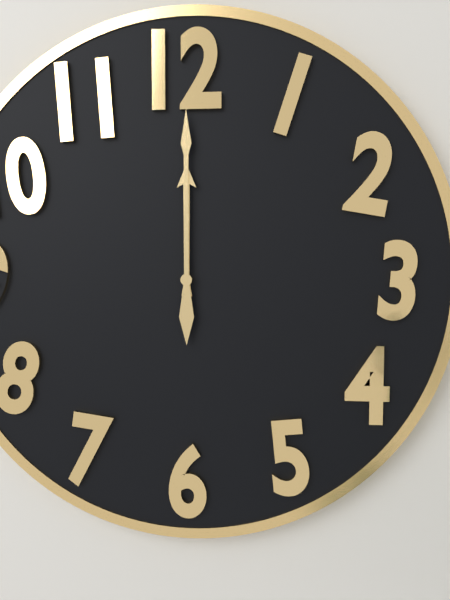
12.00
